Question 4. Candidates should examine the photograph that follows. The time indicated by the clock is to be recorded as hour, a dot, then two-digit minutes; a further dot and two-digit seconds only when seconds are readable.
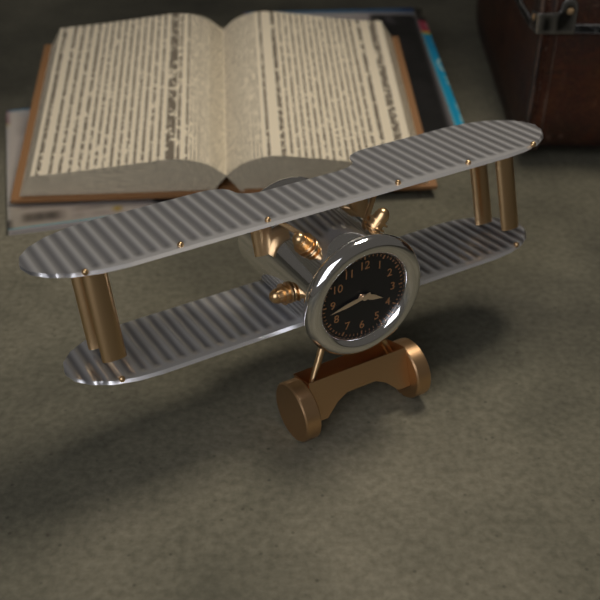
3.43
